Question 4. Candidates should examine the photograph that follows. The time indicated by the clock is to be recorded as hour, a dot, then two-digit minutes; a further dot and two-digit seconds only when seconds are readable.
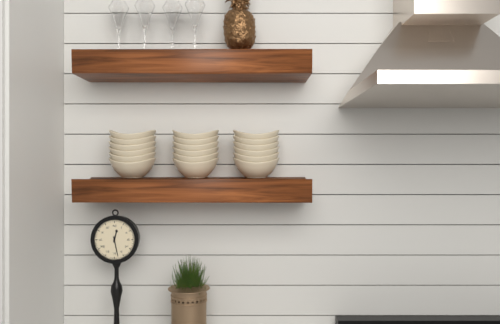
12.28
